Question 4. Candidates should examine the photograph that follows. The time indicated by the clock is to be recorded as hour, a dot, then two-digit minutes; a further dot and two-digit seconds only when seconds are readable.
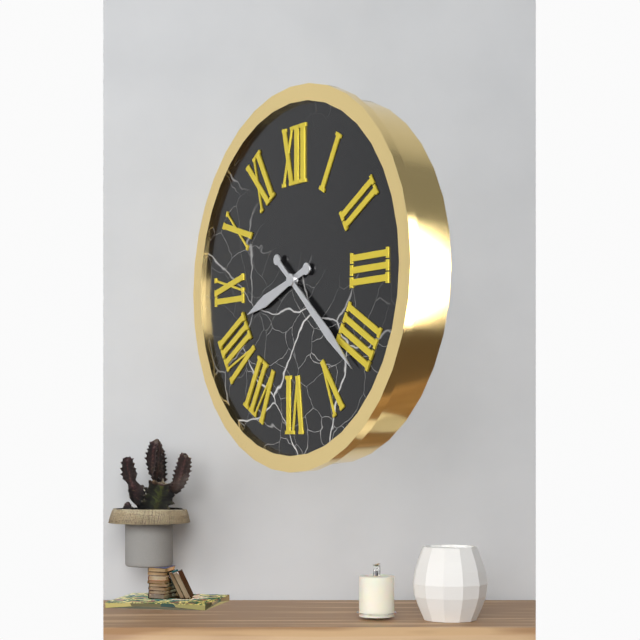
8.22
